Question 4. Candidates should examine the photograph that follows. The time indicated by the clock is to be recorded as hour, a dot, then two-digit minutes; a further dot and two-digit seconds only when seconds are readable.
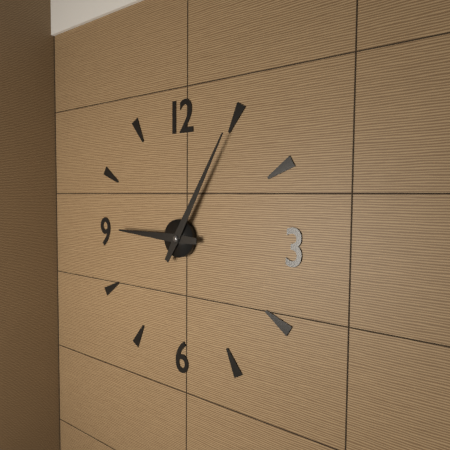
9.05
